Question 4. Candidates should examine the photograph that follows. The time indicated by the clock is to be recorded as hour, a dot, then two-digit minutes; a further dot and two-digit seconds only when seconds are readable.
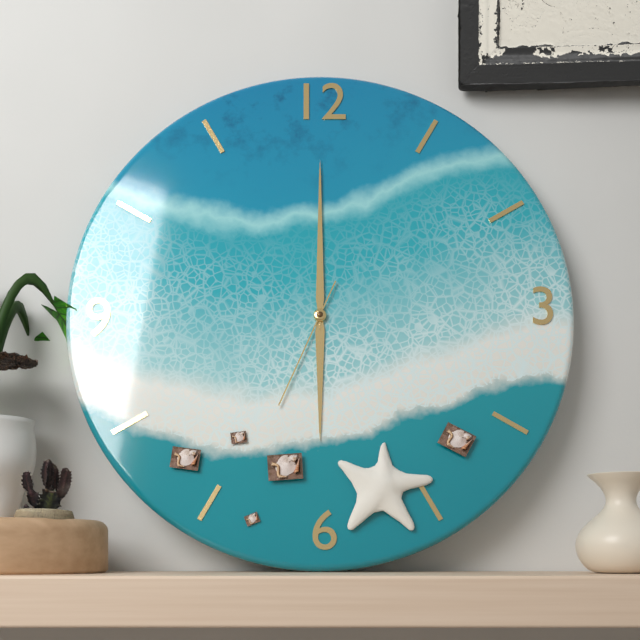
6.00.34
